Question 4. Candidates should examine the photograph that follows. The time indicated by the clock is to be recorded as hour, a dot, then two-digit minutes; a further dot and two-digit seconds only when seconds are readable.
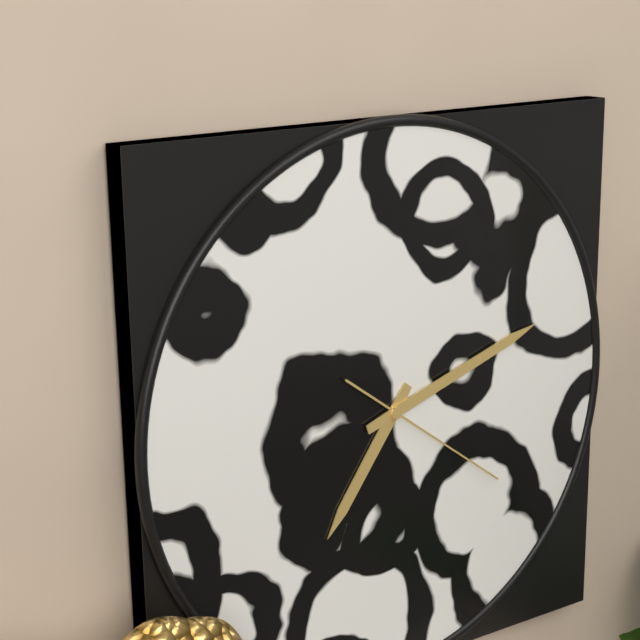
7.12.21
